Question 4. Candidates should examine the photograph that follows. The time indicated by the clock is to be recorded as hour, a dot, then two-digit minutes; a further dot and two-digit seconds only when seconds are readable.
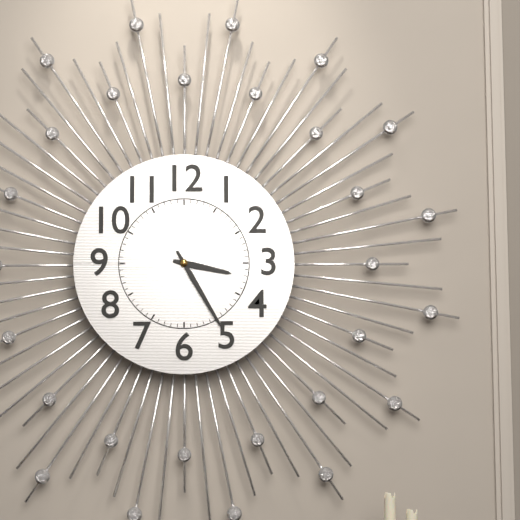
3.25
